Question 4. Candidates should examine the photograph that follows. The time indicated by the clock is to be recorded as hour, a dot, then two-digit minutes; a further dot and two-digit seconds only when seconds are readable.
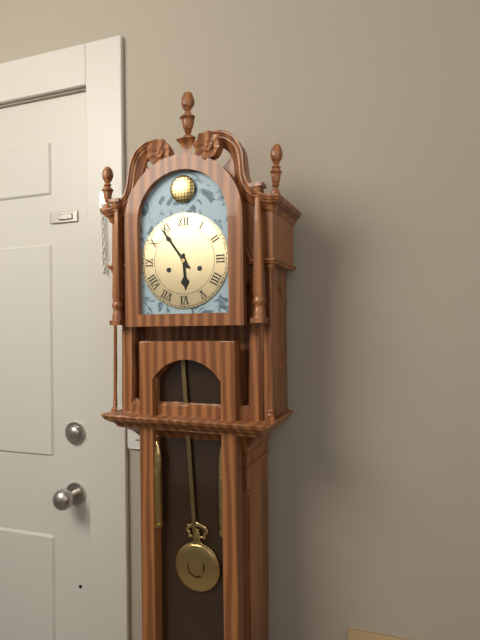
5.54
